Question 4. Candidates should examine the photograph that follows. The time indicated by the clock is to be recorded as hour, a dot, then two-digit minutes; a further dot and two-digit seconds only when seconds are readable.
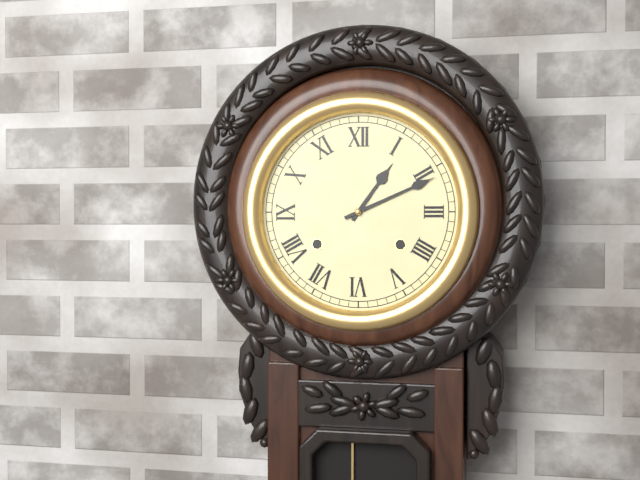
1.11
